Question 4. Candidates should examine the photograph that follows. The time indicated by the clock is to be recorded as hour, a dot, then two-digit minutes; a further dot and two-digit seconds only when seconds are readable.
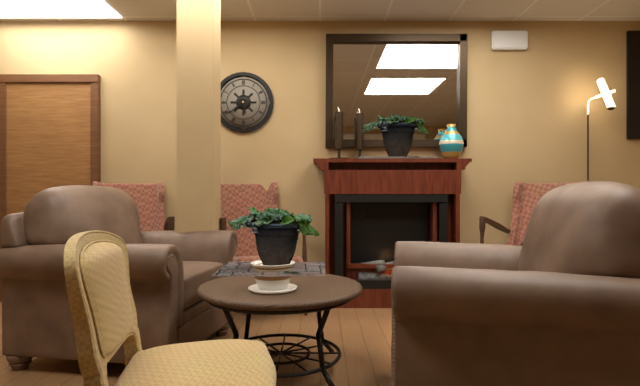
5.39
